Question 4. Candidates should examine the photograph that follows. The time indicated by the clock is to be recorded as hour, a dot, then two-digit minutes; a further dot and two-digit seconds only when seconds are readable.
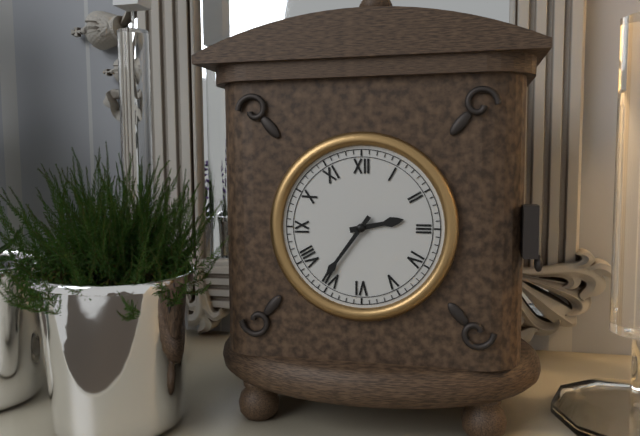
2.36
